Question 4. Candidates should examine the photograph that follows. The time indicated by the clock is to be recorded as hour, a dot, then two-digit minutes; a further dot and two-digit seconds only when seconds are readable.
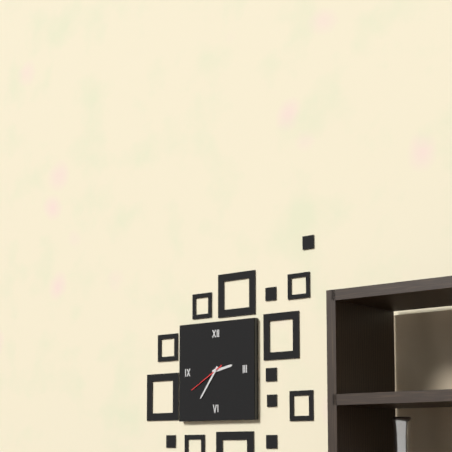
2.36
